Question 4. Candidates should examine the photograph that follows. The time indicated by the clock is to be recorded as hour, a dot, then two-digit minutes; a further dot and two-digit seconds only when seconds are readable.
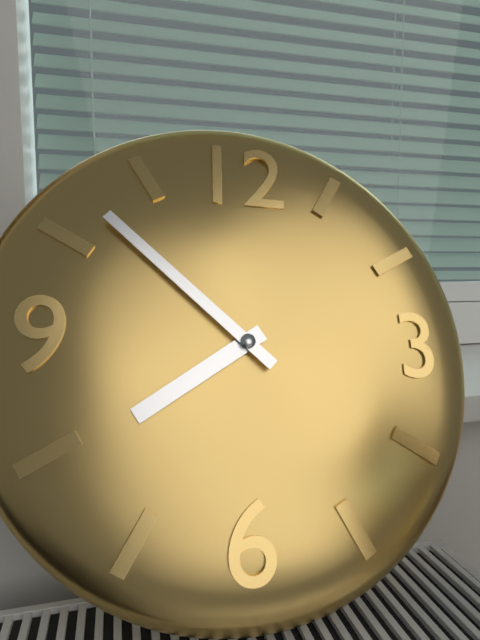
7.52
